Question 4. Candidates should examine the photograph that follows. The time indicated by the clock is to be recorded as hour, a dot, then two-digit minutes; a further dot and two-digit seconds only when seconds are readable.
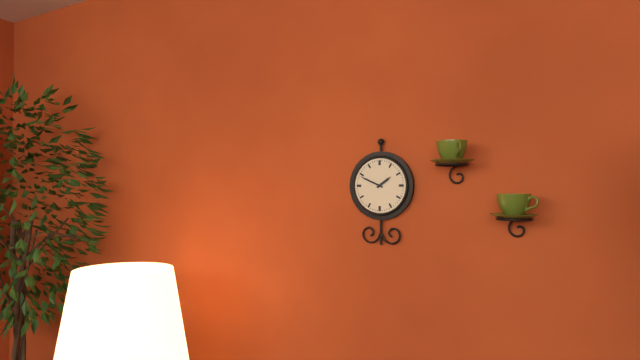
1.49
